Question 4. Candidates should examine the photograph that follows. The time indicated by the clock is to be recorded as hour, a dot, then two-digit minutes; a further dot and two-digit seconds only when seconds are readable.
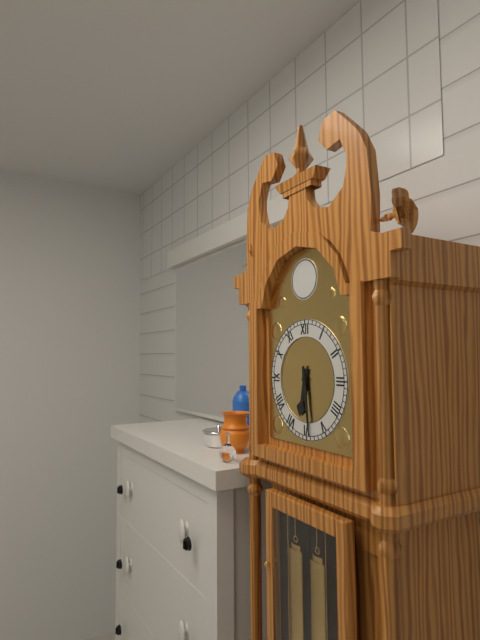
6.29
